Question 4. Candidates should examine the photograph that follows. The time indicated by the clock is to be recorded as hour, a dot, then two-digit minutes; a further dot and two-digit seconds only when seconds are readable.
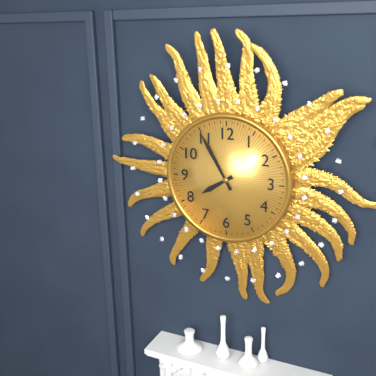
7.55
